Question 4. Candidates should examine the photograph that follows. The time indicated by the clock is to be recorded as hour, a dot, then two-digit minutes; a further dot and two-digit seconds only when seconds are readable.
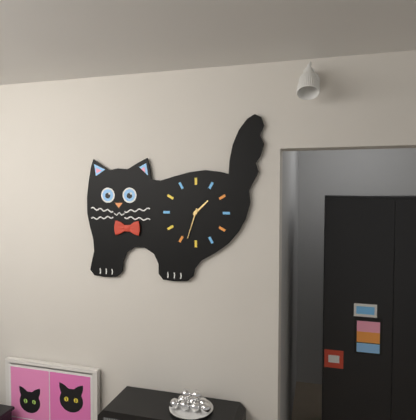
1.33
